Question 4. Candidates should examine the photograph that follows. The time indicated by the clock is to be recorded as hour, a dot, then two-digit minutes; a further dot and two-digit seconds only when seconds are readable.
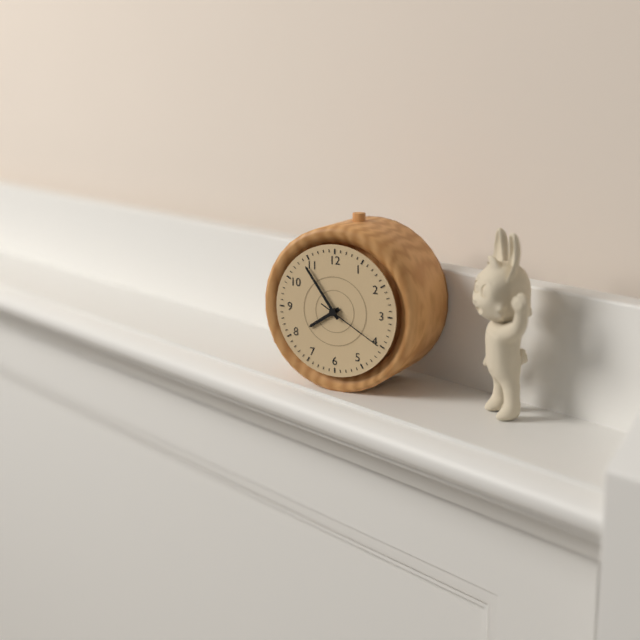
7.54.20
